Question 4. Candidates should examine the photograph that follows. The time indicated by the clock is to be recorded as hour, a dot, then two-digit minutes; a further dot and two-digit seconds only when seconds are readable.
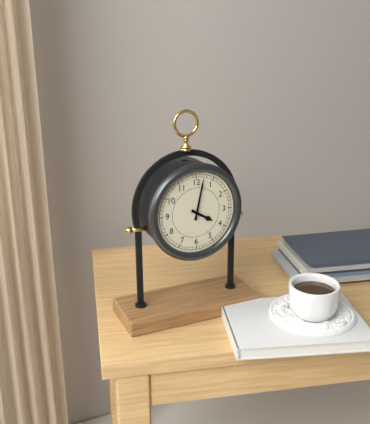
4.02
